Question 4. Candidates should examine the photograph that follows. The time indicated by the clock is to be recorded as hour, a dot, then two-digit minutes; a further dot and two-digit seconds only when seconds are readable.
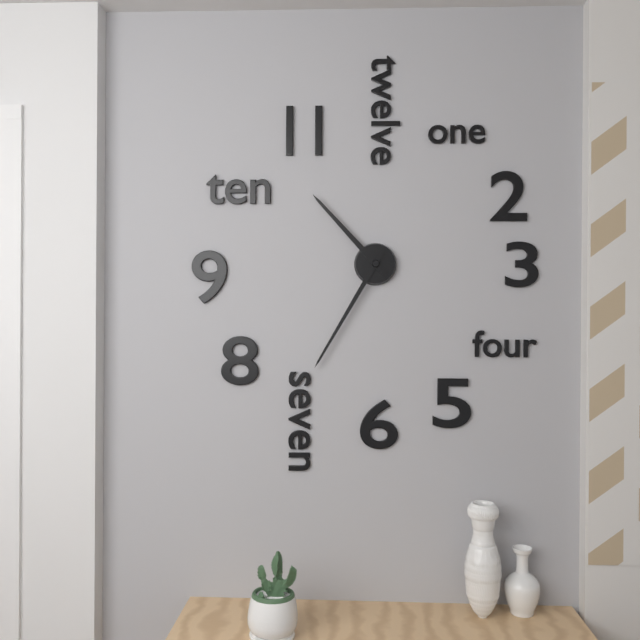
10.35
